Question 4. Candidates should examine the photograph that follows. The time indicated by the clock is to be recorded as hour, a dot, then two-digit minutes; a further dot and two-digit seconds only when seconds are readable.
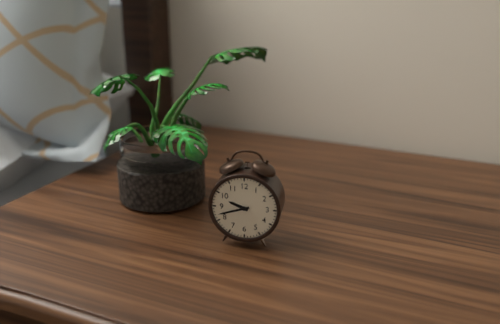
9.42
